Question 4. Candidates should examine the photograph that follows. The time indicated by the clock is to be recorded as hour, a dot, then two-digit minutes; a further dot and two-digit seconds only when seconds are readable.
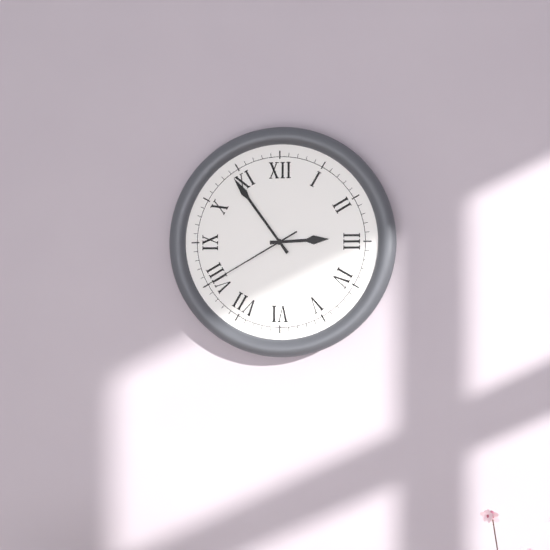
2.54.40
